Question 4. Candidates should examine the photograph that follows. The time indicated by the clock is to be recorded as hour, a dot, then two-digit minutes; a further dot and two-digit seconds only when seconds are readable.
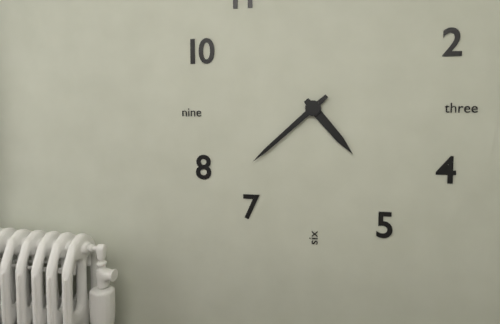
4.38
